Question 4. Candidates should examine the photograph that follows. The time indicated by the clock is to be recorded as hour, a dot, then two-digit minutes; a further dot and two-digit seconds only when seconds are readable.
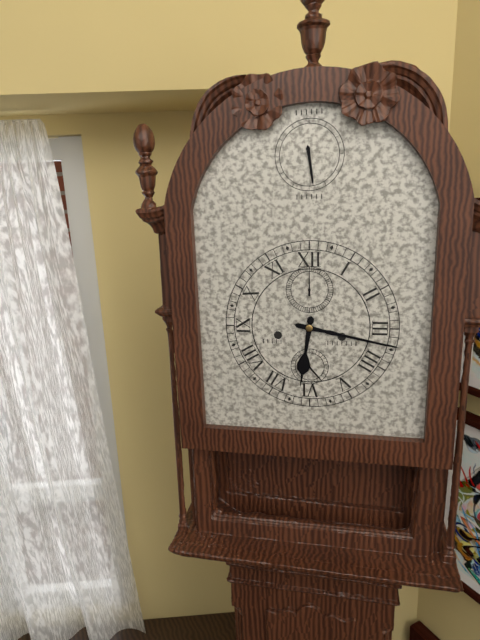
6.17
